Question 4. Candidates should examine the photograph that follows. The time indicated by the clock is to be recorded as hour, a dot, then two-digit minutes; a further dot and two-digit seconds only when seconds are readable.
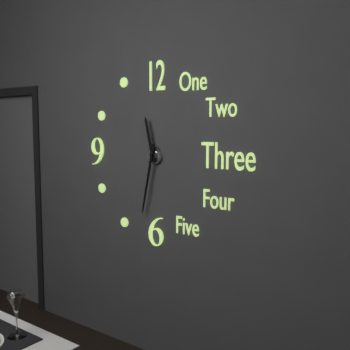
11.32
